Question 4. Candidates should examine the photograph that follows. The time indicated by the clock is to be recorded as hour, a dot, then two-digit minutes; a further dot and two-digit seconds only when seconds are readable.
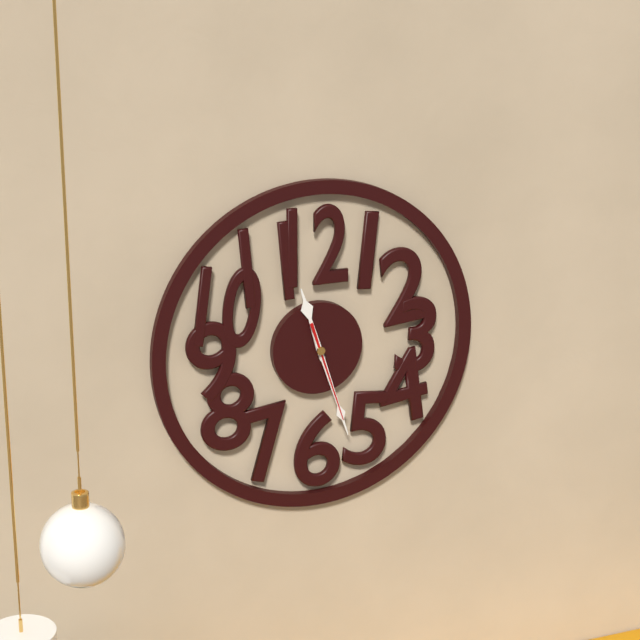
11.27.27
